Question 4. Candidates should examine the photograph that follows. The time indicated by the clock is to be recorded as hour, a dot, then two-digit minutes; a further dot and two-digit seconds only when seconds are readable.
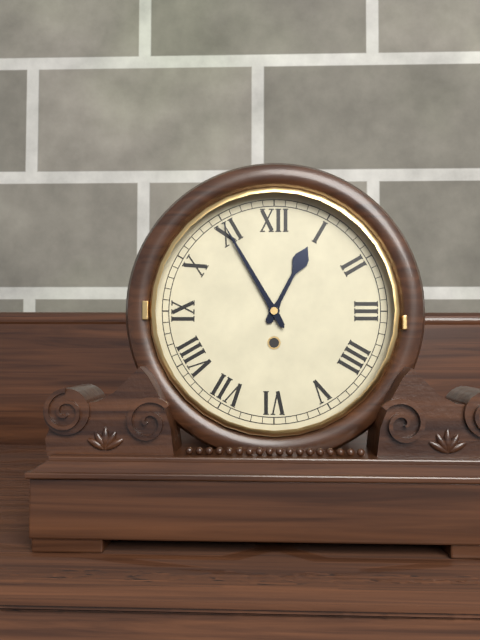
12.55
